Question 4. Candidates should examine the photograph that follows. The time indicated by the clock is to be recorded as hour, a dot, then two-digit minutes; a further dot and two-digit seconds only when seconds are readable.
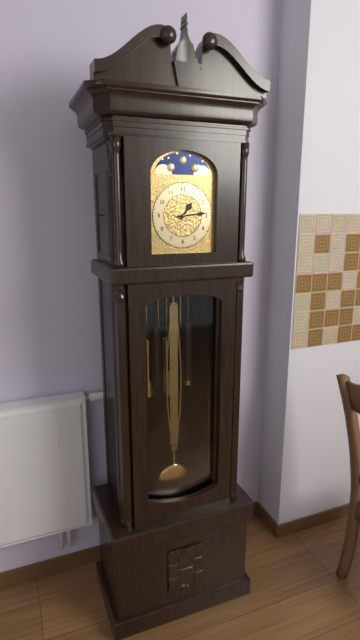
1.14
